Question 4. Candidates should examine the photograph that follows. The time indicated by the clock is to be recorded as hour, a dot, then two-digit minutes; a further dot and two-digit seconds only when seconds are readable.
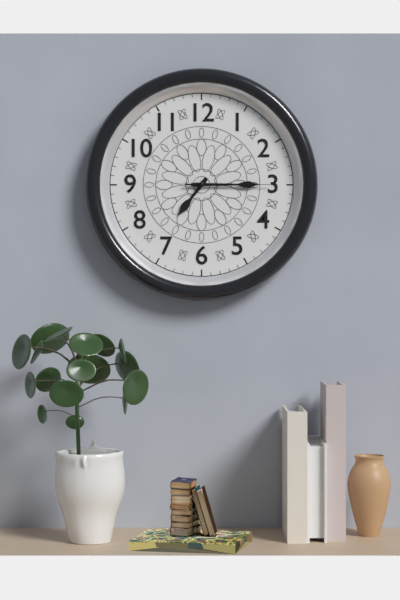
7.15.15
